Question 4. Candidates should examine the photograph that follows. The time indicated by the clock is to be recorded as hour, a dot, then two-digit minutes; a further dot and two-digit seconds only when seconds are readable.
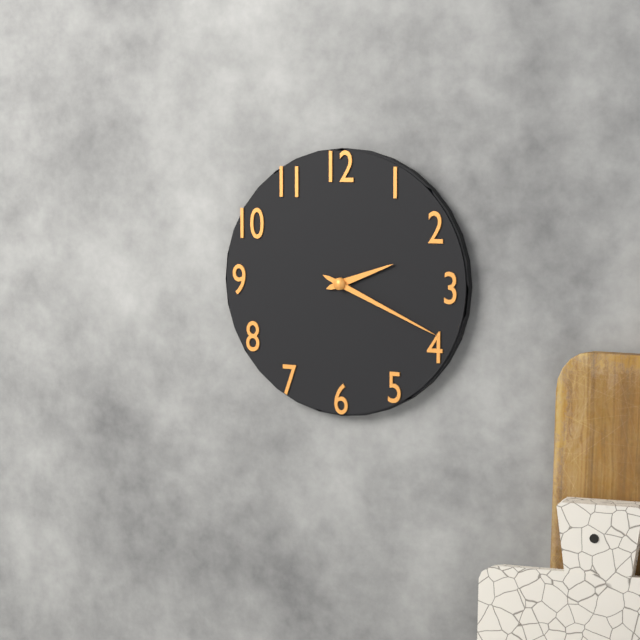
2.19
